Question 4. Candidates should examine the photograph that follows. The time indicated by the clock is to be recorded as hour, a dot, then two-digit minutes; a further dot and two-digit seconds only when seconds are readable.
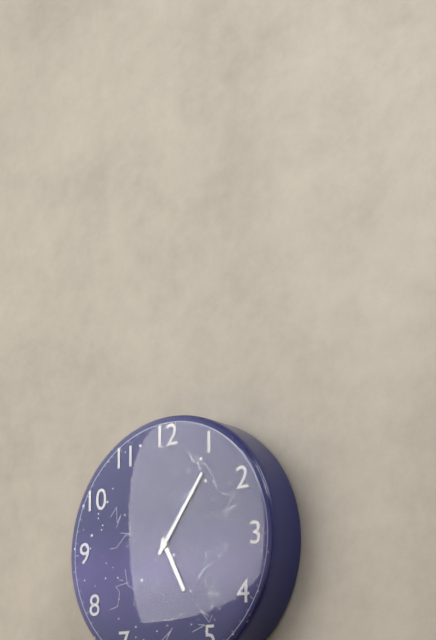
5.06
